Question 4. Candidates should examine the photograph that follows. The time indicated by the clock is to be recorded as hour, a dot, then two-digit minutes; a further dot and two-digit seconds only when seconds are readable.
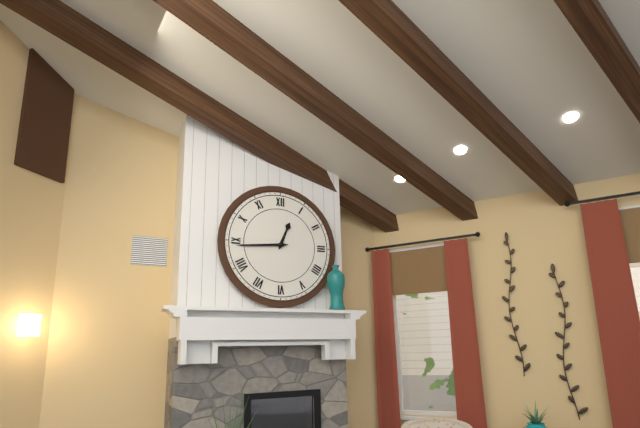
12.44
